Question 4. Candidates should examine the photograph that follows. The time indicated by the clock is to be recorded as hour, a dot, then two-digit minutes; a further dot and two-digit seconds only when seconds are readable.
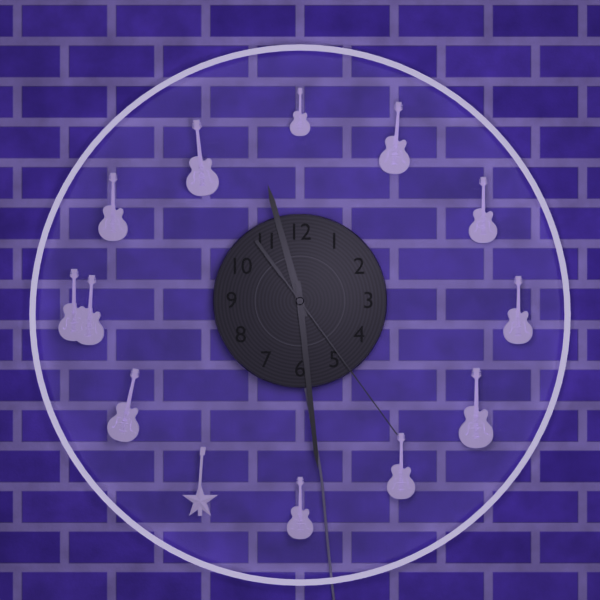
11.29.24
